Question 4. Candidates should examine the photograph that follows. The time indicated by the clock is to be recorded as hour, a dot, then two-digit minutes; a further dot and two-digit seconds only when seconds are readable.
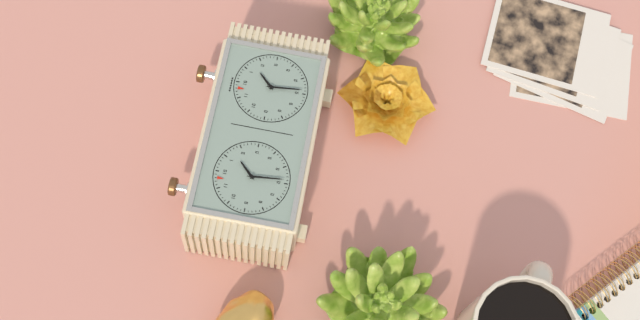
1.29
